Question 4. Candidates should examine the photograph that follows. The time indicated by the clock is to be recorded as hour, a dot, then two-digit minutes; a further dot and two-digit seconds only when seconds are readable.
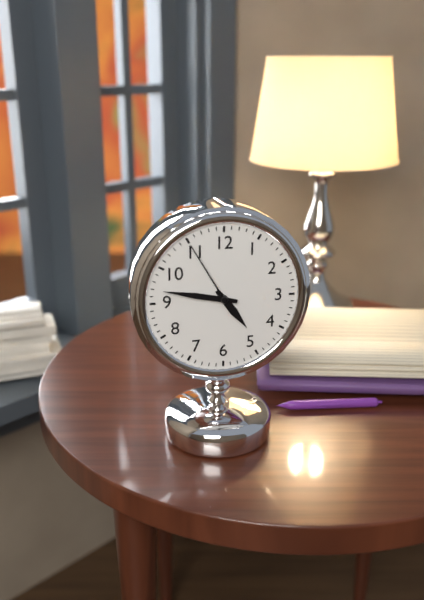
4.47.55
